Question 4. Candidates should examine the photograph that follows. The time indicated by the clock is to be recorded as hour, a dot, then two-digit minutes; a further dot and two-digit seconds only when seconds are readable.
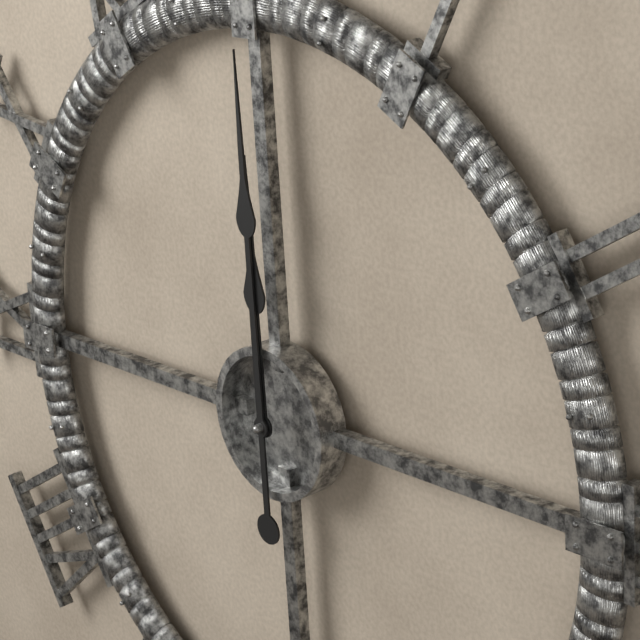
12.00
